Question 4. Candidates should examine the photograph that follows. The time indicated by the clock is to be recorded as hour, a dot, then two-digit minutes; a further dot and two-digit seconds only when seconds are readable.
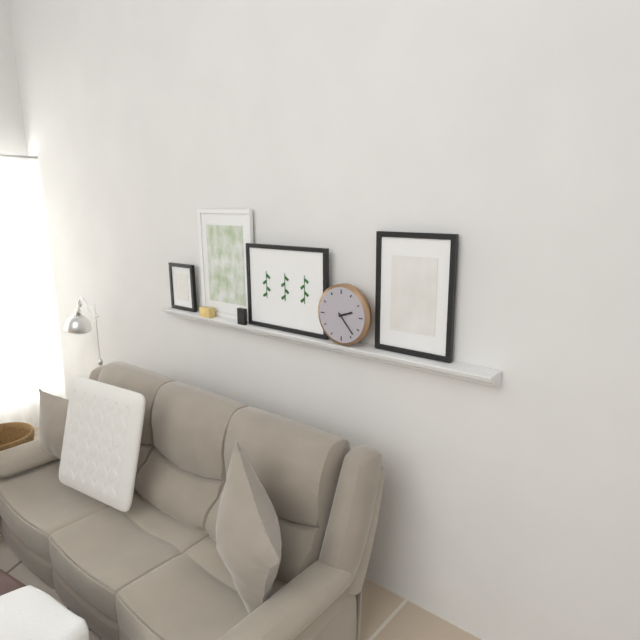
2.23
